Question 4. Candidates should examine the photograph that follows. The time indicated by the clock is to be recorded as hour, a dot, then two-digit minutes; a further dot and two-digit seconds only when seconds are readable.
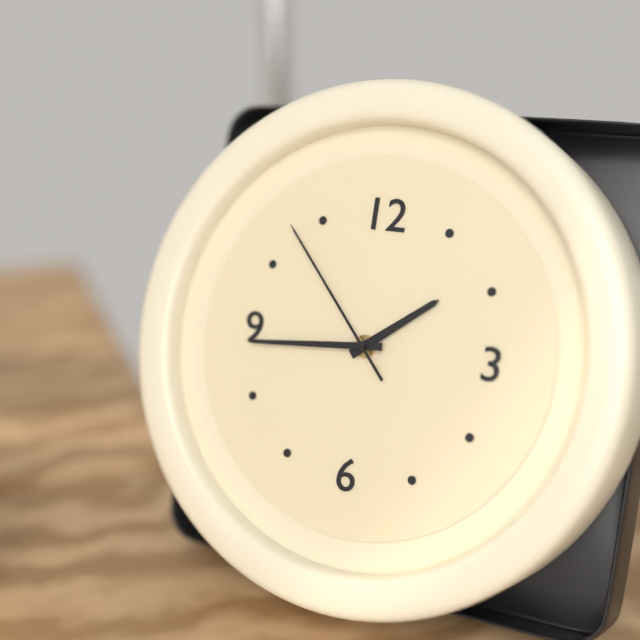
1.44.53
